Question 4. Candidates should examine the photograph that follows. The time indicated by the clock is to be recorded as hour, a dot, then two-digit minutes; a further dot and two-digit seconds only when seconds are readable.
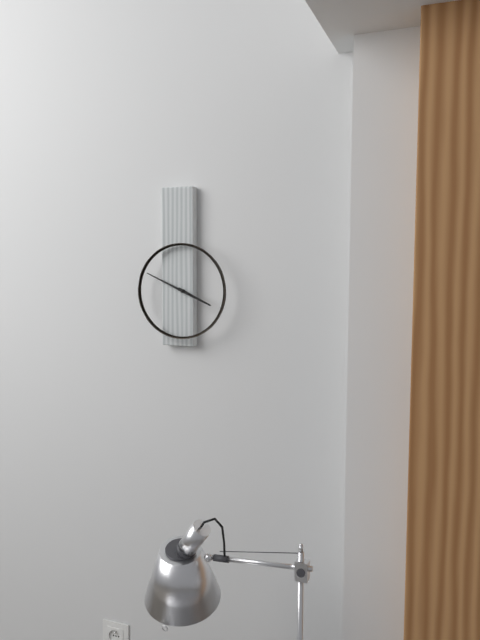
3.49
